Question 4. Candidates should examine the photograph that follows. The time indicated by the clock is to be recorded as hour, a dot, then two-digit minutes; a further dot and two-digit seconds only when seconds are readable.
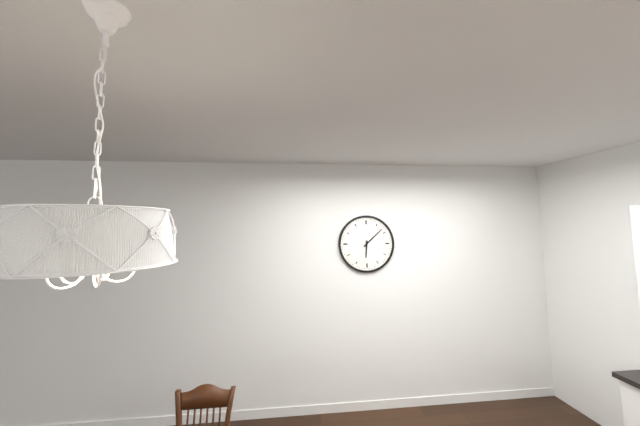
6.08
